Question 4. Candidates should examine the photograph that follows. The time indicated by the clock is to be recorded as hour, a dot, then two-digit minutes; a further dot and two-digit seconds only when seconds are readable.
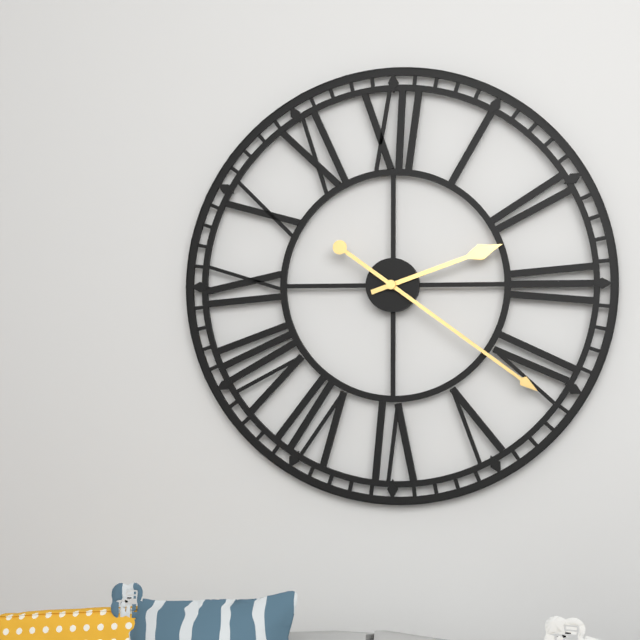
2.21
